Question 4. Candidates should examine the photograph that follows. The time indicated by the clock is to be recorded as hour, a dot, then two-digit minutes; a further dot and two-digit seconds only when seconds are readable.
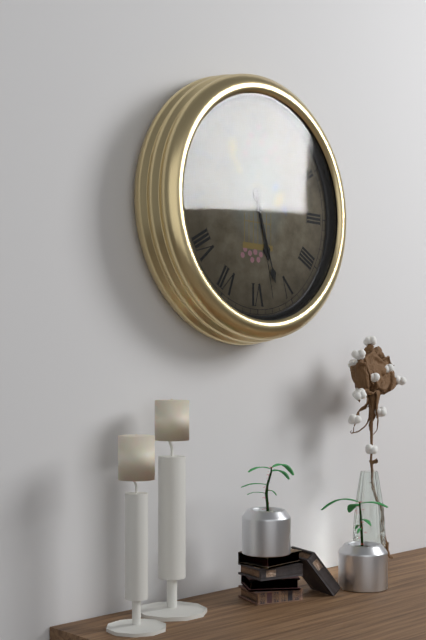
5.27.28
